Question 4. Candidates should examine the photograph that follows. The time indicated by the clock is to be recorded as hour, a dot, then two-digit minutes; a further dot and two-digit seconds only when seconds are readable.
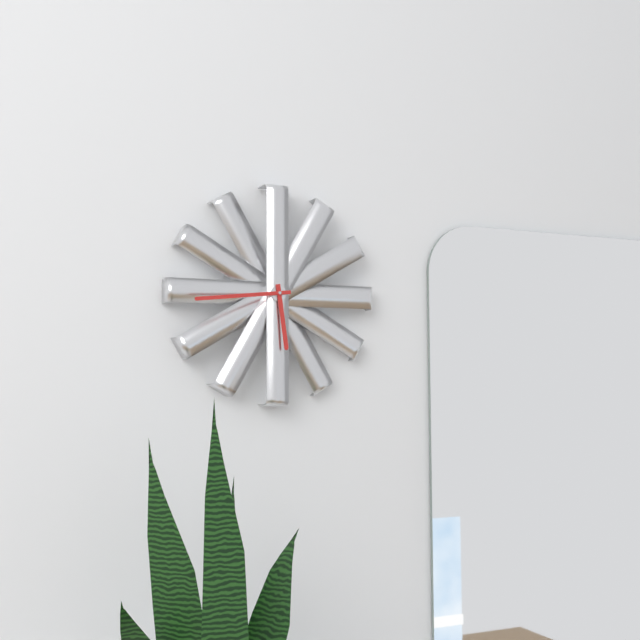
5.44
